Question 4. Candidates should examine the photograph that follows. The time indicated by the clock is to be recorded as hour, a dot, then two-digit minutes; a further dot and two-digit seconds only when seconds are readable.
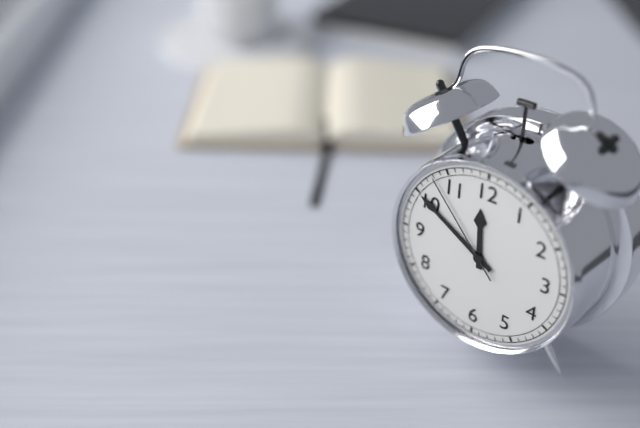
11.50.53
